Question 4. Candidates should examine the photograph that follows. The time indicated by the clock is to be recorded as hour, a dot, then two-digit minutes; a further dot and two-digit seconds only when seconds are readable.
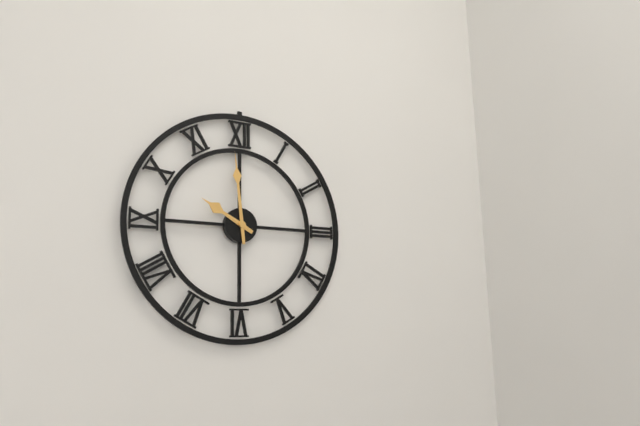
9.59
